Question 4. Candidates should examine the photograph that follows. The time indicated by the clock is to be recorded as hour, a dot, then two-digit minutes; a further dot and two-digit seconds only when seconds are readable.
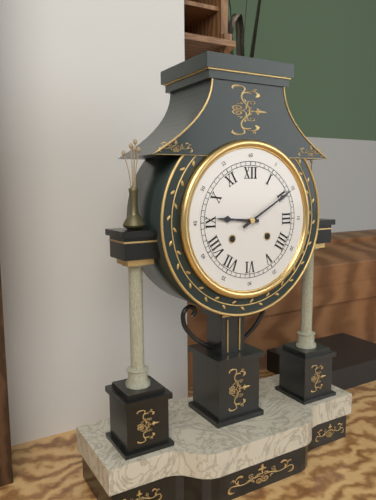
9.10
